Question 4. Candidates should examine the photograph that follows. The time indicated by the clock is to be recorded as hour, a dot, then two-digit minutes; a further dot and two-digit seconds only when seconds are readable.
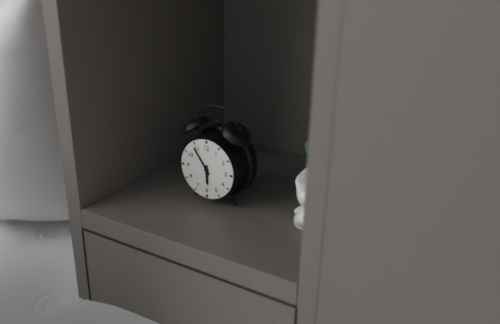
5.54
